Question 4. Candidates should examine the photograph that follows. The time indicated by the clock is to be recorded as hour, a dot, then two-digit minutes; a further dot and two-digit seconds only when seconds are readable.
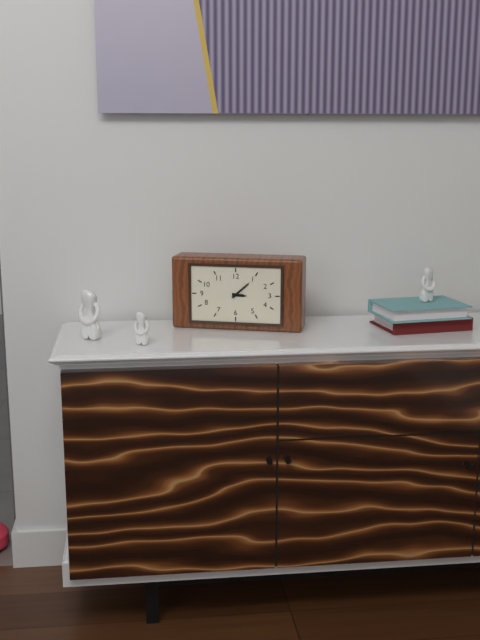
3.08
